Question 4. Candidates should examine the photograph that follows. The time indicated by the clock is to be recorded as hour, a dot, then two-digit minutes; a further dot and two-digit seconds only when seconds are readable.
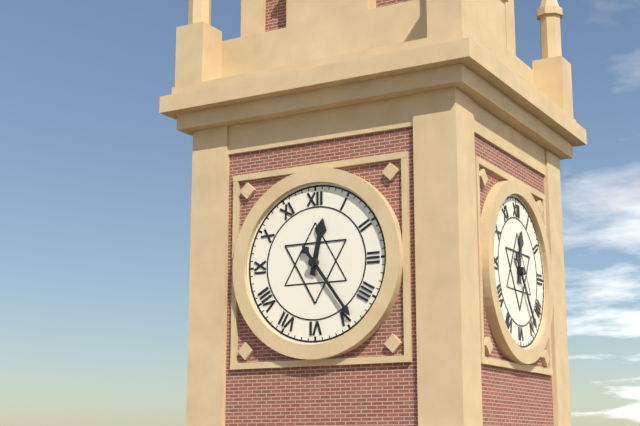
12.24
